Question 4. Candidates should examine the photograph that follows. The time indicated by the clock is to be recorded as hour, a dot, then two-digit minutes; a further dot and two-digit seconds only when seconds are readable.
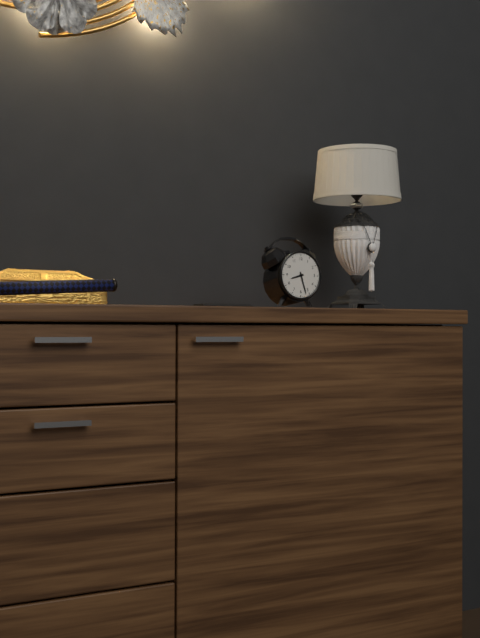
8.27
